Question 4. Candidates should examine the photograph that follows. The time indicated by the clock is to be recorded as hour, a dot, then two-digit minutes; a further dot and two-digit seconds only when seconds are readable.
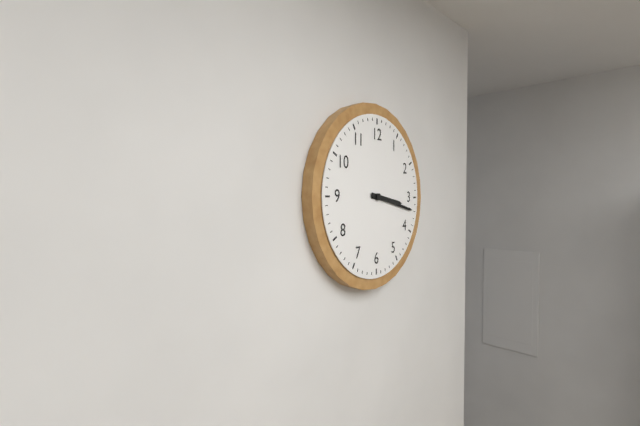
3.17
